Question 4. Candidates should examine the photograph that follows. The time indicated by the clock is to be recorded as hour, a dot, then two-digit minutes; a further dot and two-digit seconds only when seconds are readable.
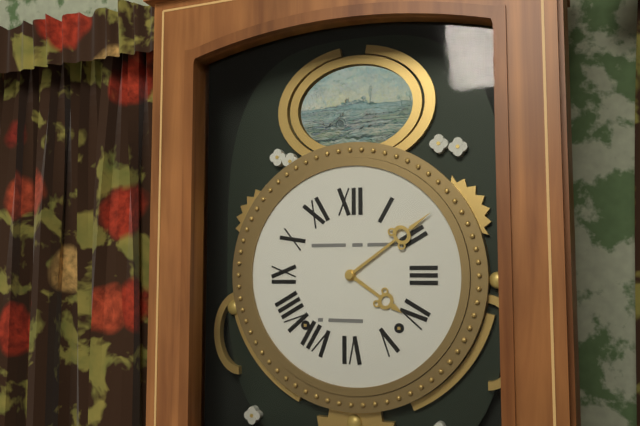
4.09
